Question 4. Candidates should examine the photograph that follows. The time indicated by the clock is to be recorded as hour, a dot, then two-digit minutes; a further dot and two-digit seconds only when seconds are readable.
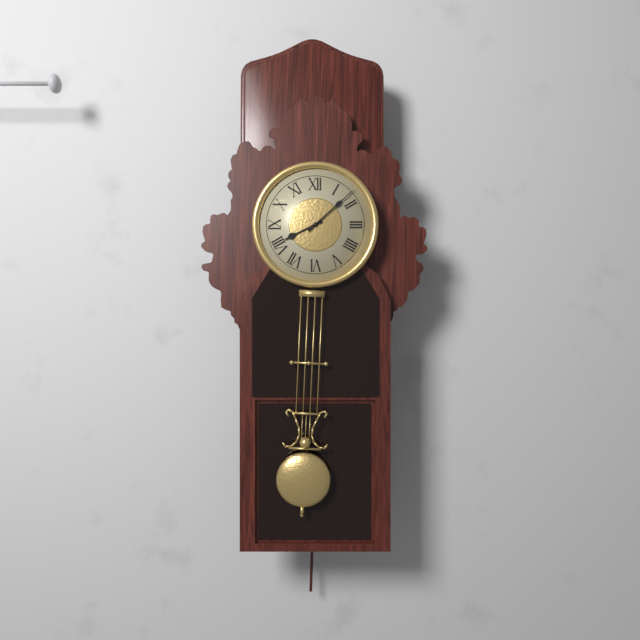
8.08
